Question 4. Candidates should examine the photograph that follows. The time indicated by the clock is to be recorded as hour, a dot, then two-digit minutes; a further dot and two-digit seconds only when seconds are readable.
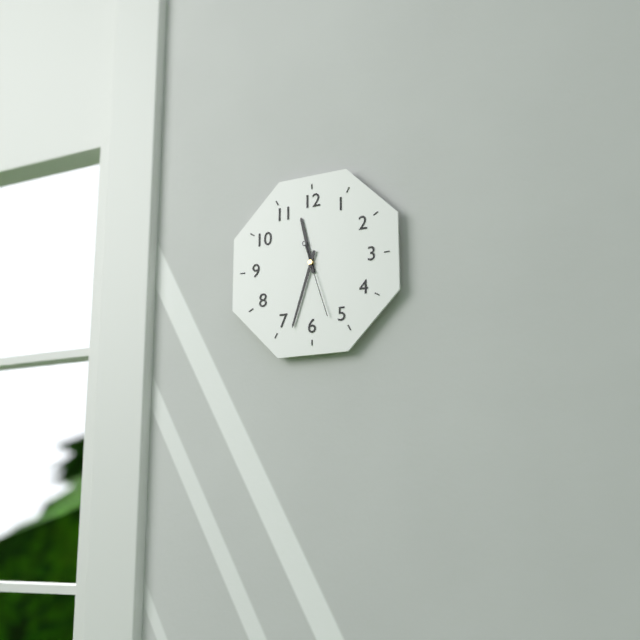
11.33.27
